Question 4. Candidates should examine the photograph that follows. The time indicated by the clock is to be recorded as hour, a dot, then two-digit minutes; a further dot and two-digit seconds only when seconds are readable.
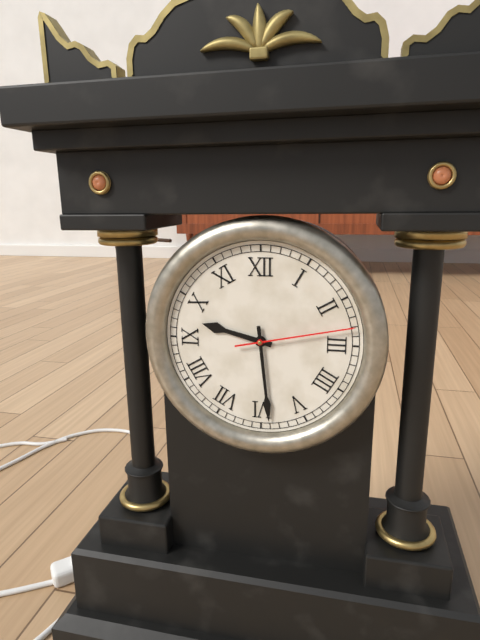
9.29.13
